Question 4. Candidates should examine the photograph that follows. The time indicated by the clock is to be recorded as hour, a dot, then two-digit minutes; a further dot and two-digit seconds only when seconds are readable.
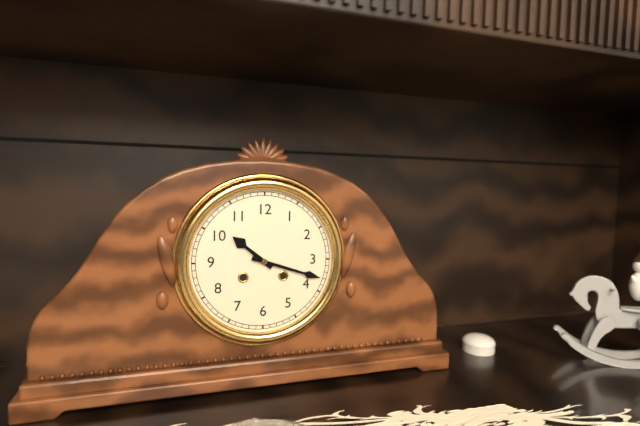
10.18
